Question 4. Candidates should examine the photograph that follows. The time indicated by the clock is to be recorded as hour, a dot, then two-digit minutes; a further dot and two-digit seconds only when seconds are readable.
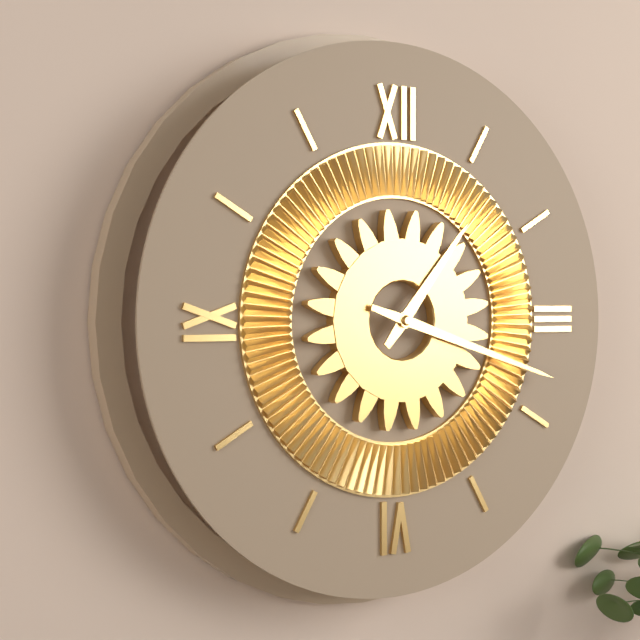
1.18
